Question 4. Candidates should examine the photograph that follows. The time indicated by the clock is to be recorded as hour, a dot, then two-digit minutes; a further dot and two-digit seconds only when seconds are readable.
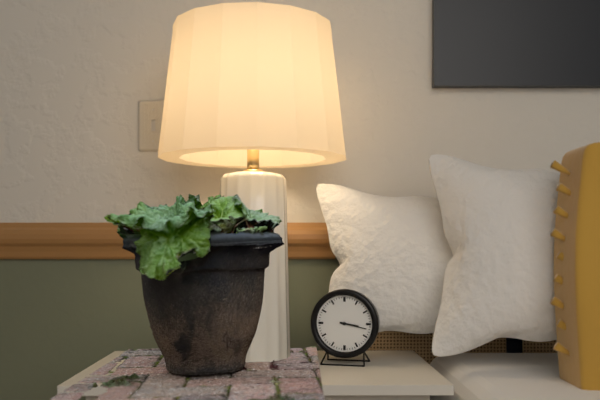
3.17
